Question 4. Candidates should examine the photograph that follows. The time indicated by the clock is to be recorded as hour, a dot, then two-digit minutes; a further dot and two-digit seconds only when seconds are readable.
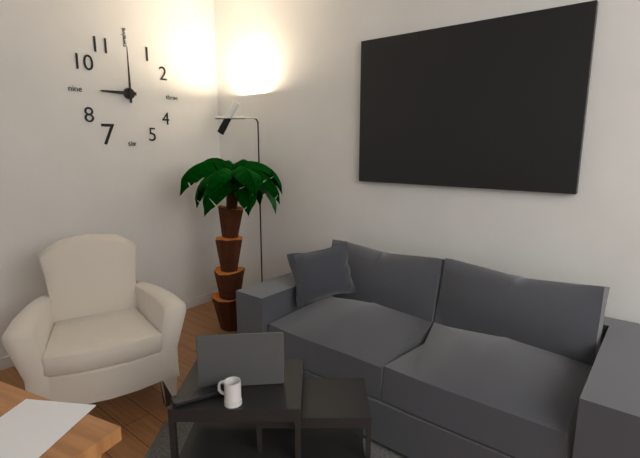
9.00
